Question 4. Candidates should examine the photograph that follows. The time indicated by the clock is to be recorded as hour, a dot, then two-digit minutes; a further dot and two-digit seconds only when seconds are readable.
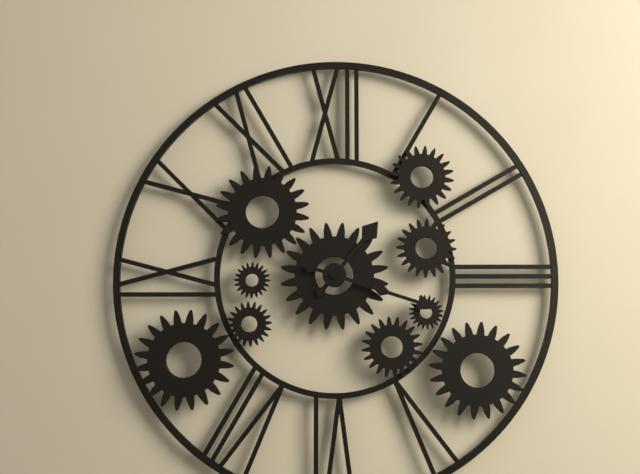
1.18
